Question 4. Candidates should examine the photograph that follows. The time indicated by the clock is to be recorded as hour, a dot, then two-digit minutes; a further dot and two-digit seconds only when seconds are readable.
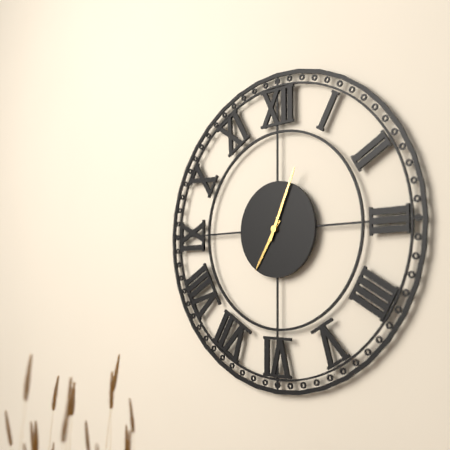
7.04
